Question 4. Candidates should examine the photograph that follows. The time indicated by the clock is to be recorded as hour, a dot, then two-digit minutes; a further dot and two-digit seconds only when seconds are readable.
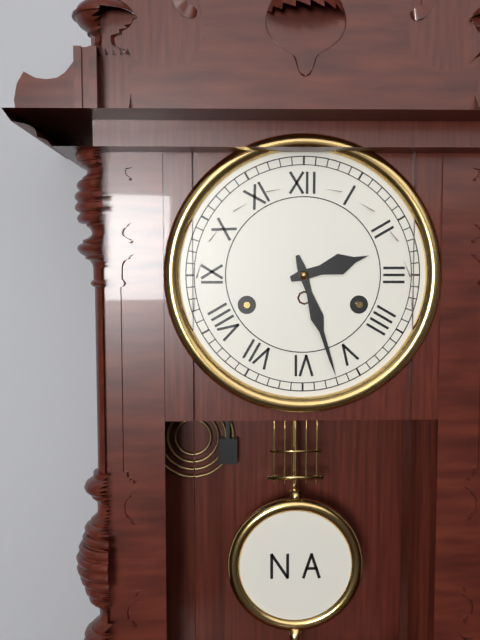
2.27
